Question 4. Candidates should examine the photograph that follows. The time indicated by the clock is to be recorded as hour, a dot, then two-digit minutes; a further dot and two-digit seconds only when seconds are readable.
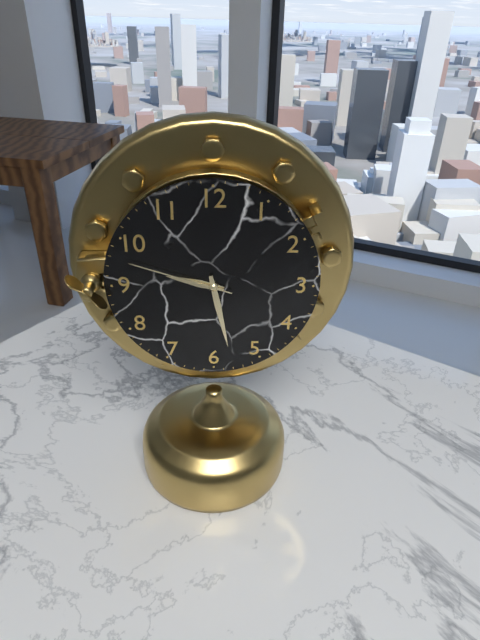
9.28.48
